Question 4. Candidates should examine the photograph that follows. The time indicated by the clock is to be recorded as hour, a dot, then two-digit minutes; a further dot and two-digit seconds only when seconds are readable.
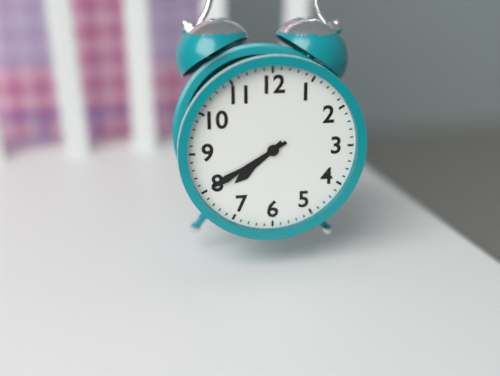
7.40
